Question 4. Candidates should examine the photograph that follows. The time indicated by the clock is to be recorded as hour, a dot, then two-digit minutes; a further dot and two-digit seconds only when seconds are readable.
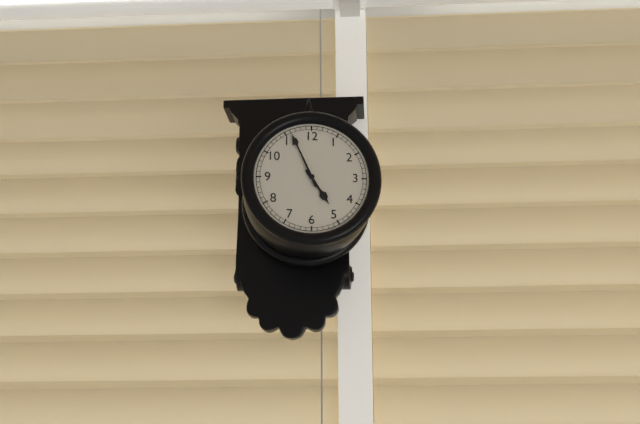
4.56
